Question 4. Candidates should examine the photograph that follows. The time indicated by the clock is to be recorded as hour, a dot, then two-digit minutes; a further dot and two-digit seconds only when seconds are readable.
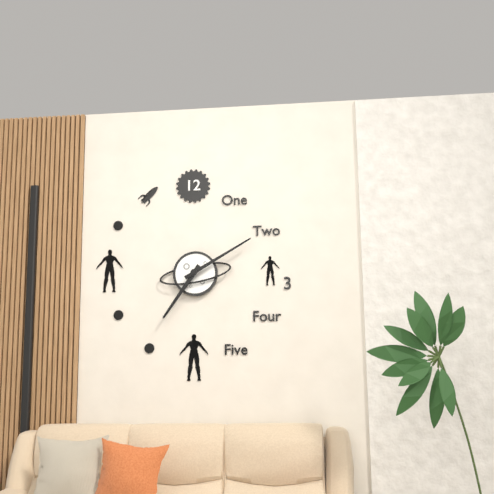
7.10
